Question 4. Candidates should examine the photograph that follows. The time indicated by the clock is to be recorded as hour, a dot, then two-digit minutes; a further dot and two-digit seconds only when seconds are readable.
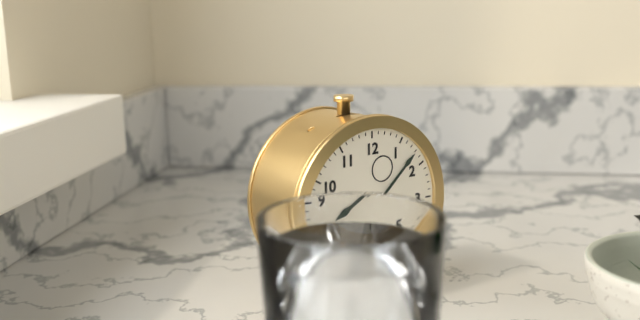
8.08
